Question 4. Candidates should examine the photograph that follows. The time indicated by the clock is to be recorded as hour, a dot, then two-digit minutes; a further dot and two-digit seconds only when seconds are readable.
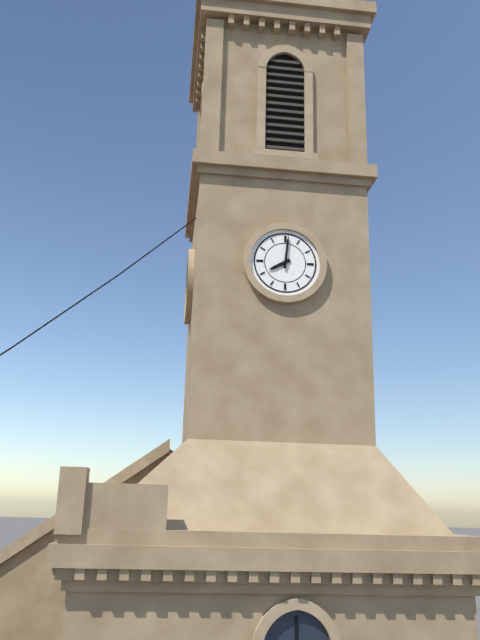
8.01
